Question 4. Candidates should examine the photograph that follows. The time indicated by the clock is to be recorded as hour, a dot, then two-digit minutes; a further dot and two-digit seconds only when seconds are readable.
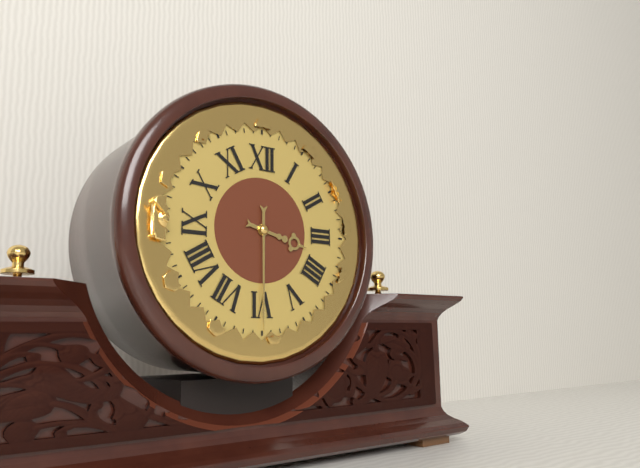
3.30
